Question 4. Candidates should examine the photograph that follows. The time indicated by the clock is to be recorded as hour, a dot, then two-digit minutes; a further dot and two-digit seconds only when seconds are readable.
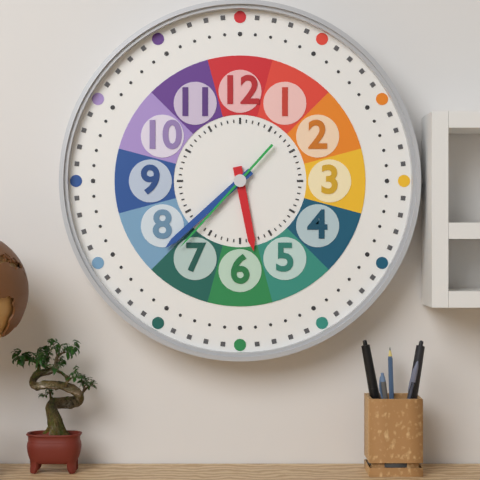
5.38.37
